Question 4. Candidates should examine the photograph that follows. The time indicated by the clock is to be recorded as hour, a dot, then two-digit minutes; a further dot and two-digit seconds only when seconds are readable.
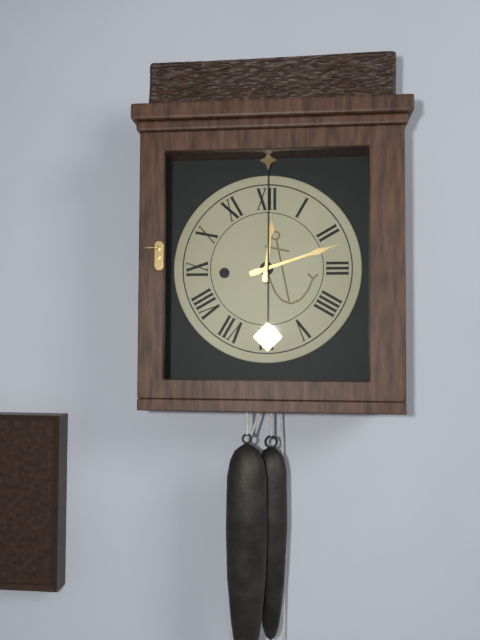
12.12
